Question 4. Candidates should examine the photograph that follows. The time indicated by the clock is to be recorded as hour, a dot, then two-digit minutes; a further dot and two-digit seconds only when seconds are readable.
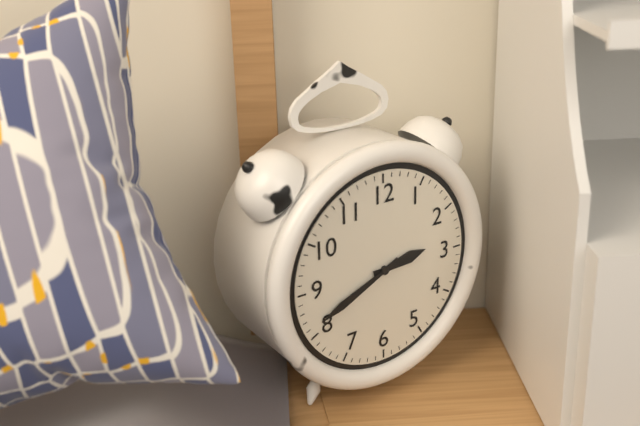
2.41
